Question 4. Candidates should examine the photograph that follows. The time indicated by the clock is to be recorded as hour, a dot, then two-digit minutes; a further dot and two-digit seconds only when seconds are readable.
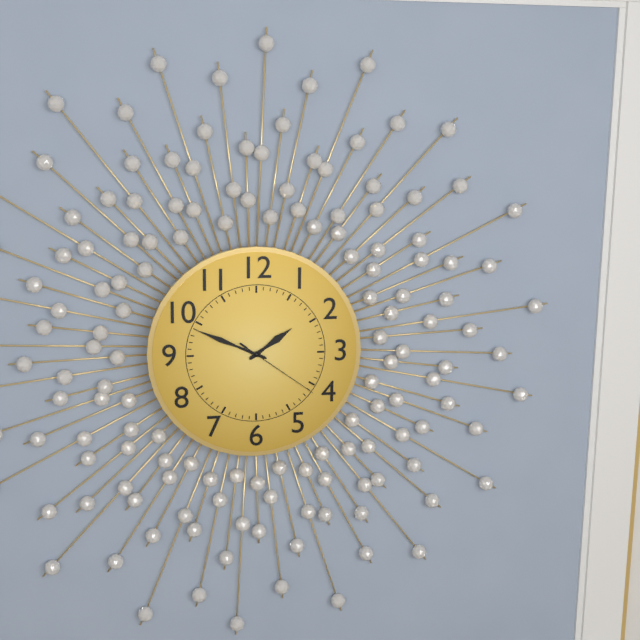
1.49.21
